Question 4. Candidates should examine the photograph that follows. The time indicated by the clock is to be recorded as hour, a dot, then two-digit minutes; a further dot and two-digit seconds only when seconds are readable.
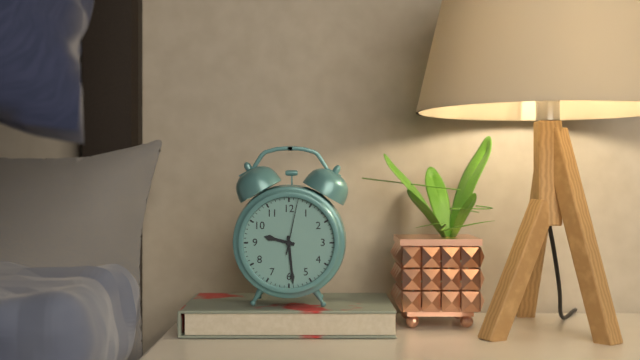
9.29.02
